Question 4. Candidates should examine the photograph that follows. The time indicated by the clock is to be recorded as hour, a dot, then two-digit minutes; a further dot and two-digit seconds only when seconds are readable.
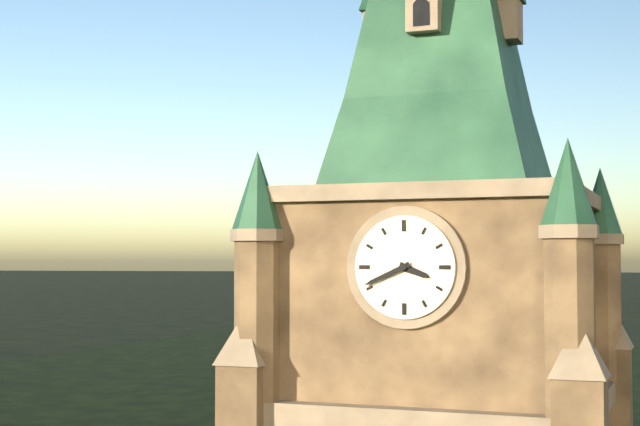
3.41
